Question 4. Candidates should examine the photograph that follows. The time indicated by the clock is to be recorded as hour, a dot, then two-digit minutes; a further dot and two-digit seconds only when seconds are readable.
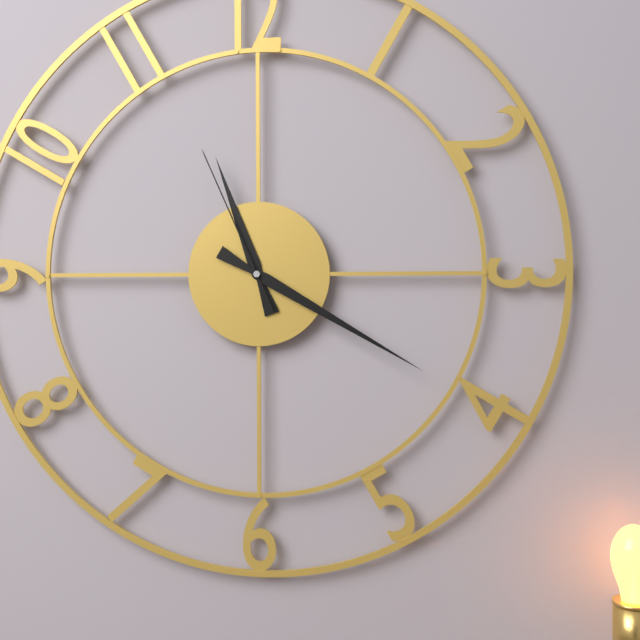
11.20.56
